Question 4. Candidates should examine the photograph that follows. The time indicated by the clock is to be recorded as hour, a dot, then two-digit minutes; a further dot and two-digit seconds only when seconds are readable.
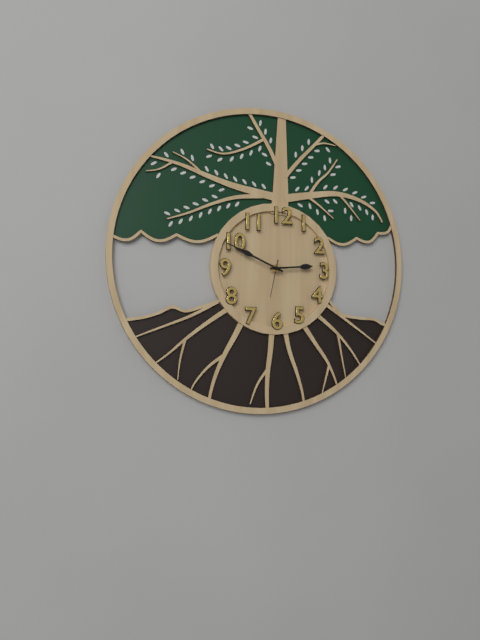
2.49
